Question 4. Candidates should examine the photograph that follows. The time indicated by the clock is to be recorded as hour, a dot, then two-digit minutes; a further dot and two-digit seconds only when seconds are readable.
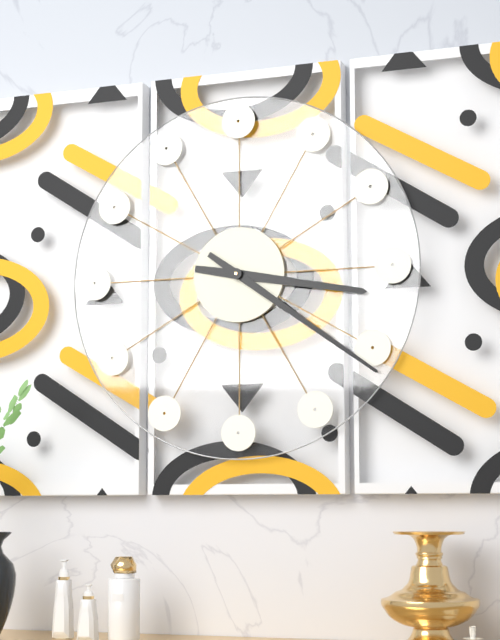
3.21
